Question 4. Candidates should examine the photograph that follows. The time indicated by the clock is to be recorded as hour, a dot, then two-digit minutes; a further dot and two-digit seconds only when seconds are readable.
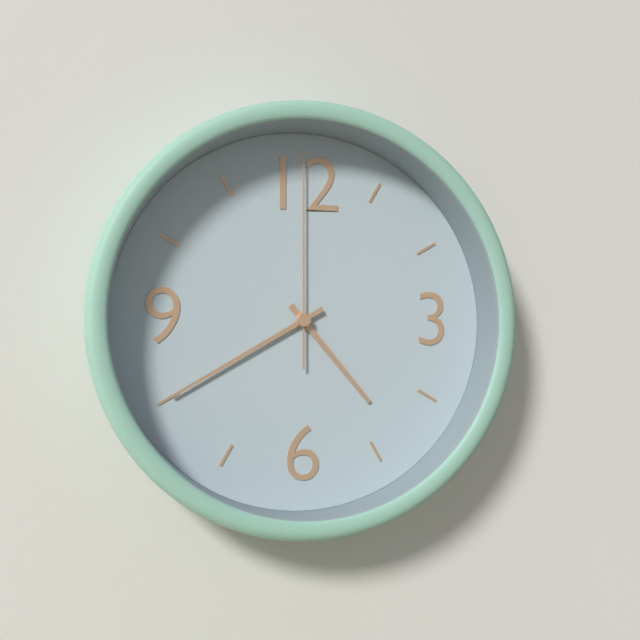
4.40.00
